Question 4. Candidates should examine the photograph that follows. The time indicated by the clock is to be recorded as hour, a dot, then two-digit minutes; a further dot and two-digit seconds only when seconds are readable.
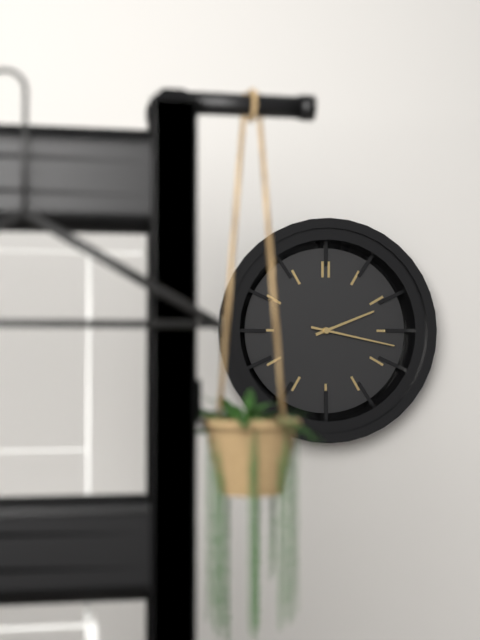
2.17
